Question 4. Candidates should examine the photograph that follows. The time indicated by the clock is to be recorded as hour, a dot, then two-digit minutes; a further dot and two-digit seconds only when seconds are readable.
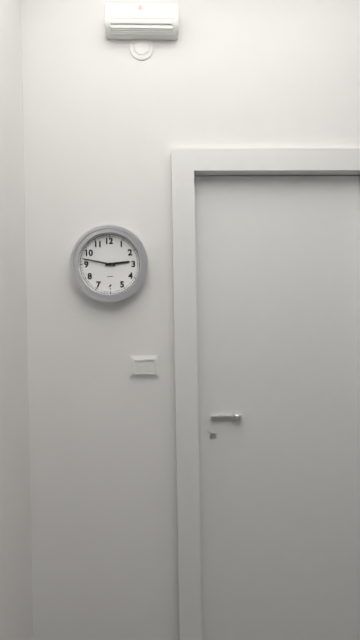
2.47
